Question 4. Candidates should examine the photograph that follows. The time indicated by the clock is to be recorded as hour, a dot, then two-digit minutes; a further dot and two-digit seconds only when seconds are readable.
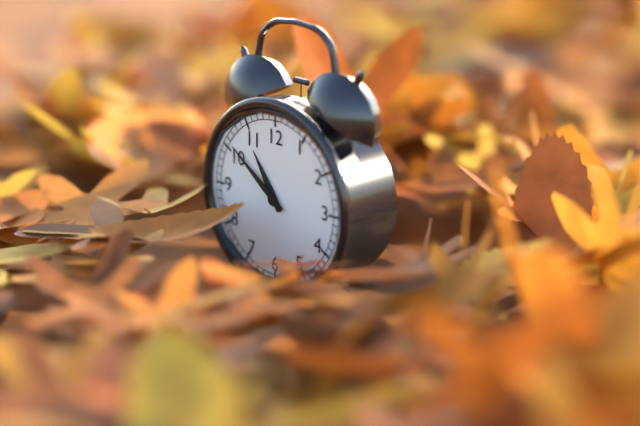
10.51
